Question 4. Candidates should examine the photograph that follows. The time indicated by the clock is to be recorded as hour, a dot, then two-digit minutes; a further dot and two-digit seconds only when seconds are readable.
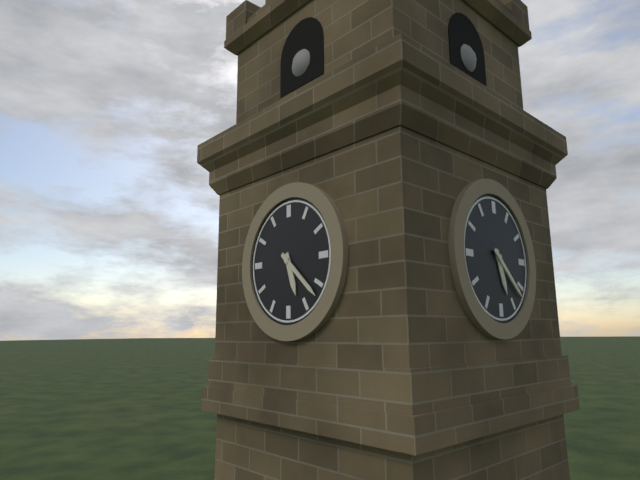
5.22
